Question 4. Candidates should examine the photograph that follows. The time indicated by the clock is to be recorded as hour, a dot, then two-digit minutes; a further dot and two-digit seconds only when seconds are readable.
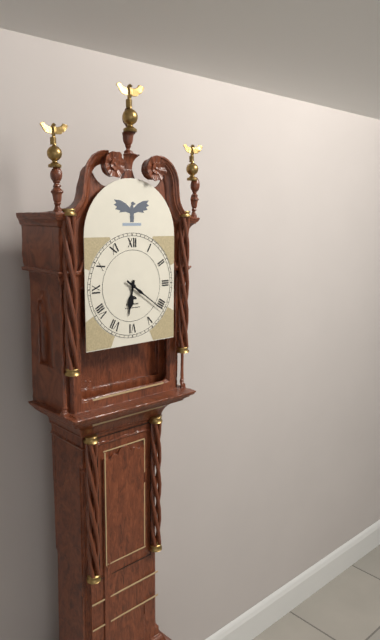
6.21
